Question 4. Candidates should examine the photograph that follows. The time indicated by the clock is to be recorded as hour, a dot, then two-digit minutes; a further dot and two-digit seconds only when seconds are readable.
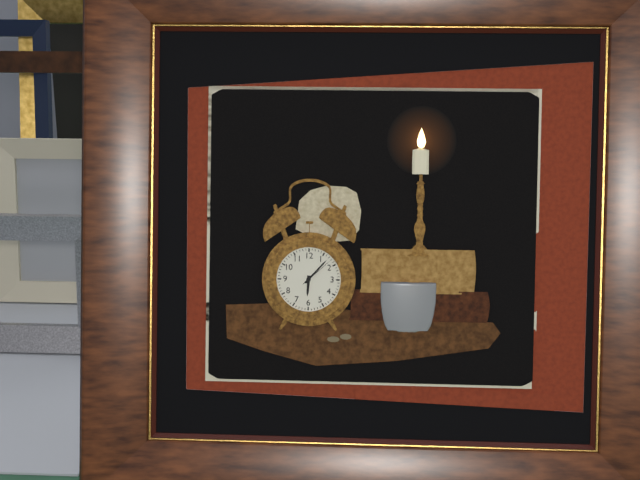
6.07
